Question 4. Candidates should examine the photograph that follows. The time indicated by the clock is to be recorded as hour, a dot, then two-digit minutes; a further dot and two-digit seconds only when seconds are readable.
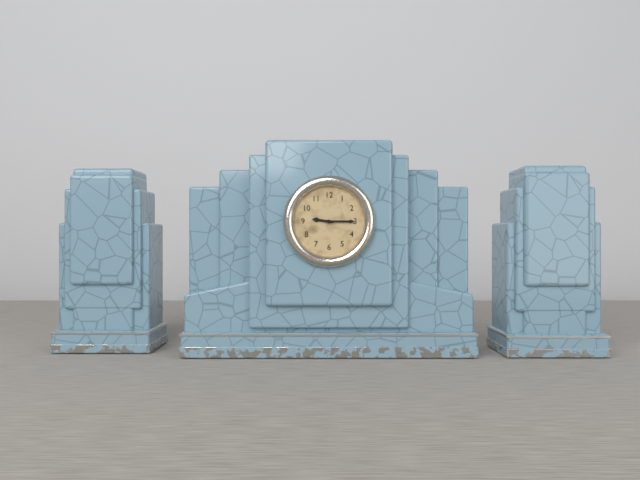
9.15
